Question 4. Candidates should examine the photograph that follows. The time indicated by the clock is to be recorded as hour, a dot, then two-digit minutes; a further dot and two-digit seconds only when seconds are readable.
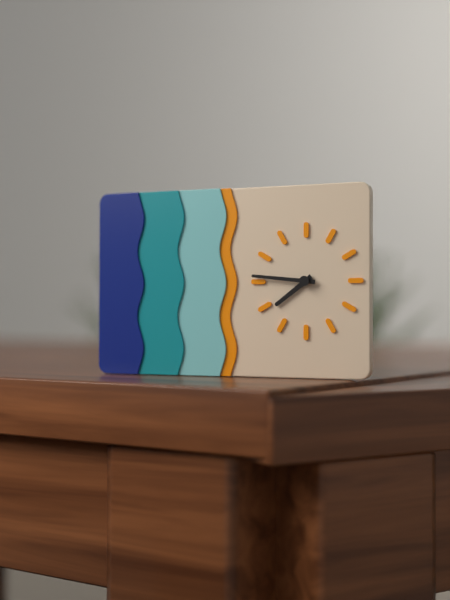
7.46
